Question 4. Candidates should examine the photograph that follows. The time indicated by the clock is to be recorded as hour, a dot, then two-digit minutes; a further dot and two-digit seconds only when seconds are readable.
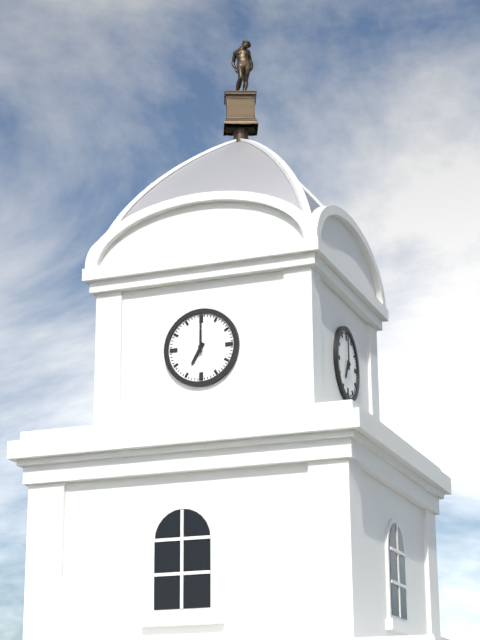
7.00
